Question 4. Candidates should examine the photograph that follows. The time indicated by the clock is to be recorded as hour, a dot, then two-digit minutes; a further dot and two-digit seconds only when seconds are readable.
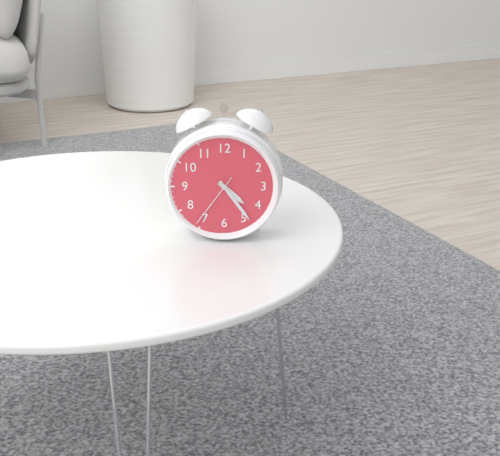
4.24.36
